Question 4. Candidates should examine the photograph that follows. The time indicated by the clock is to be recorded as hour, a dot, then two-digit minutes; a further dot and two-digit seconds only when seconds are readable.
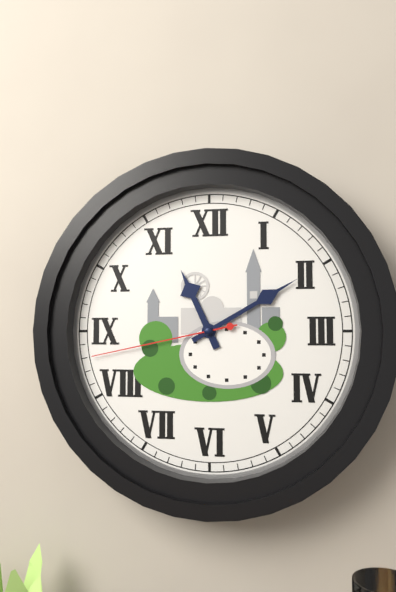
11.10.43
